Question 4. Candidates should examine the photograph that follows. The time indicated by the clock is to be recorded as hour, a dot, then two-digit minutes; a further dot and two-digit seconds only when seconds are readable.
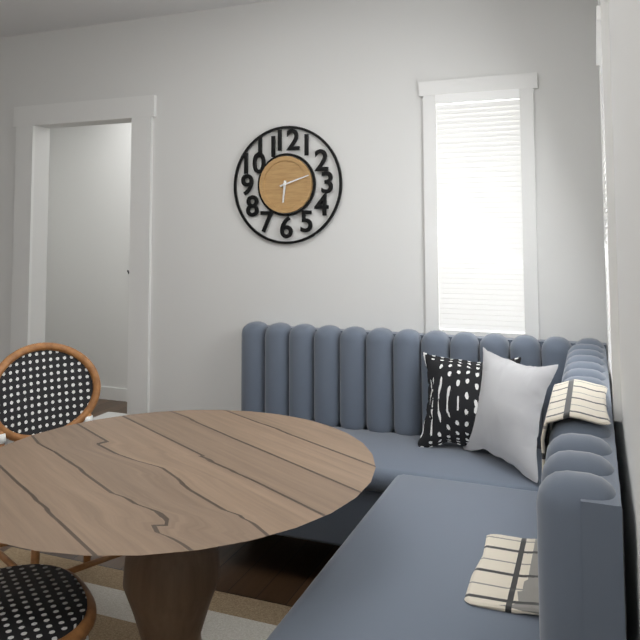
6.12
